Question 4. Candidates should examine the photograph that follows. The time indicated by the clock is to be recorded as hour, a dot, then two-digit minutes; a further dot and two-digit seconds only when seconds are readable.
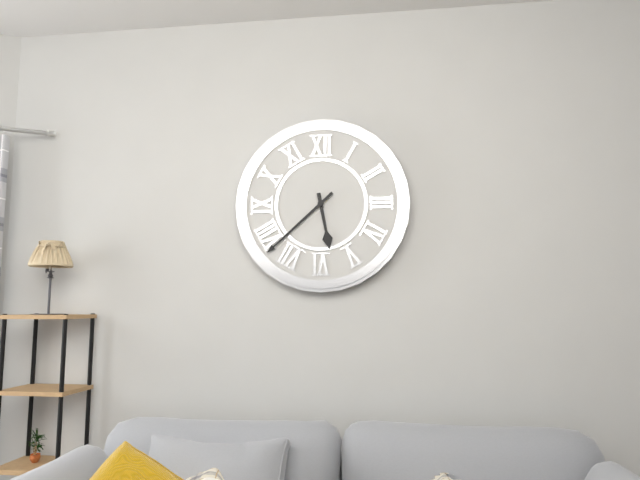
5.38
